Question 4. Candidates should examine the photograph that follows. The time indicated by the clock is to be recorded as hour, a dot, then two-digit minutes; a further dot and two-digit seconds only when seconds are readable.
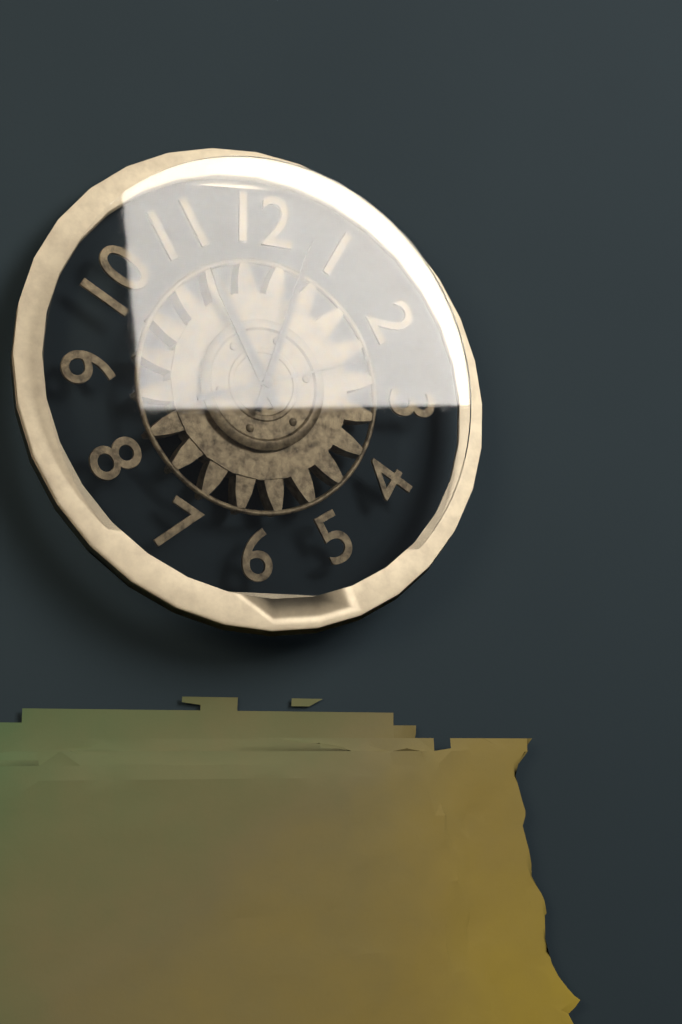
11.03.12
